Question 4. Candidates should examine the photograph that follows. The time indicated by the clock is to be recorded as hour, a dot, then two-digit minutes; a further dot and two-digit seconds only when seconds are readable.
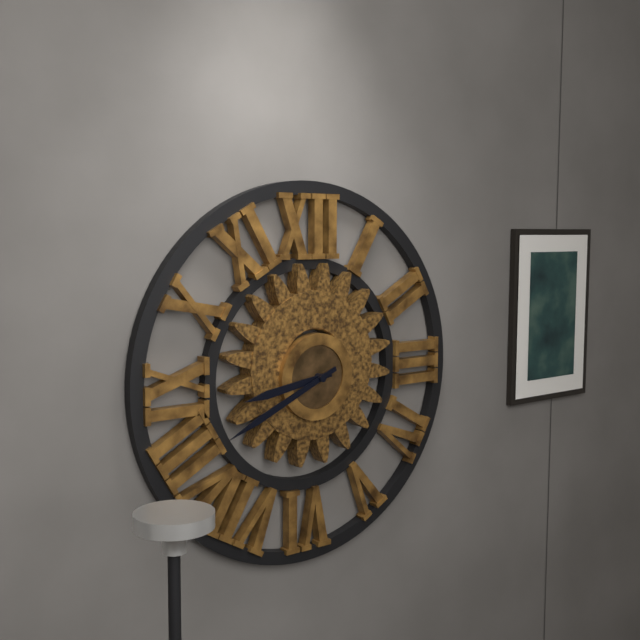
8.41
